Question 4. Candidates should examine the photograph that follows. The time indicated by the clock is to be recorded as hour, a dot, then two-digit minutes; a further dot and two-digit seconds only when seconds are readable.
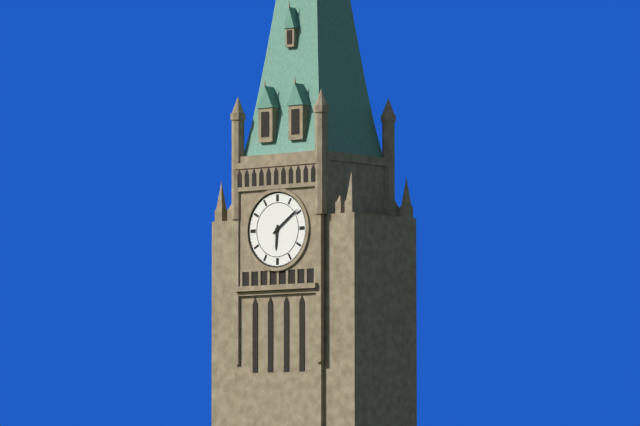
6.09
